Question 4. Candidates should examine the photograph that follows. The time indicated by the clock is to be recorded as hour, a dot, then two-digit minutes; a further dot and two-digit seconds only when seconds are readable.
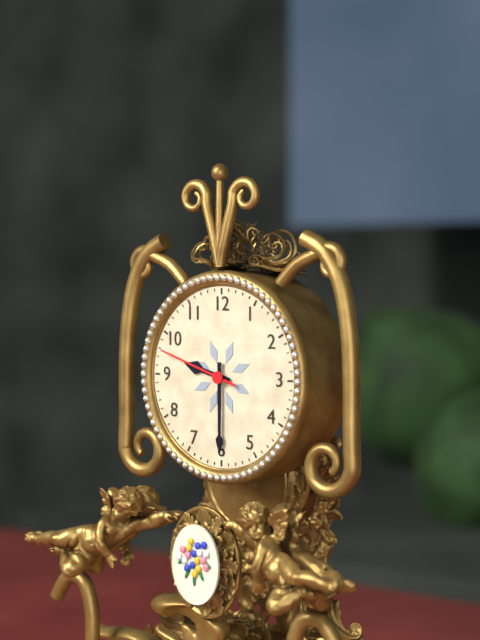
9.30.48
